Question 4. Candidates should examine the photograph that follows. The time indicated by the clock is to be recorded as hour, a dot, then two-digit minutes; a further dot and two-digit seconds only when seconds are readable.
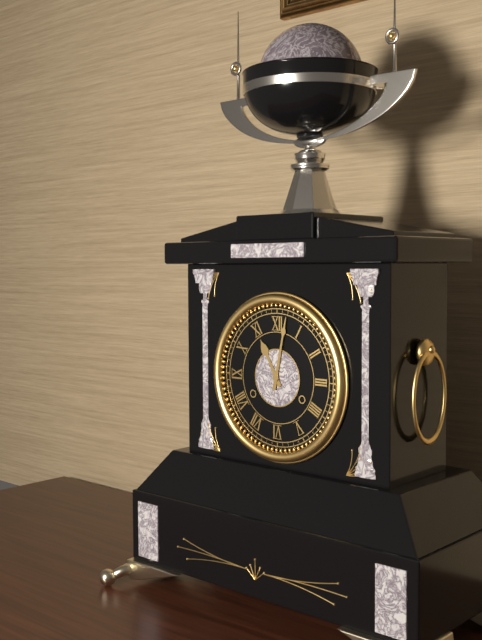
11.02
